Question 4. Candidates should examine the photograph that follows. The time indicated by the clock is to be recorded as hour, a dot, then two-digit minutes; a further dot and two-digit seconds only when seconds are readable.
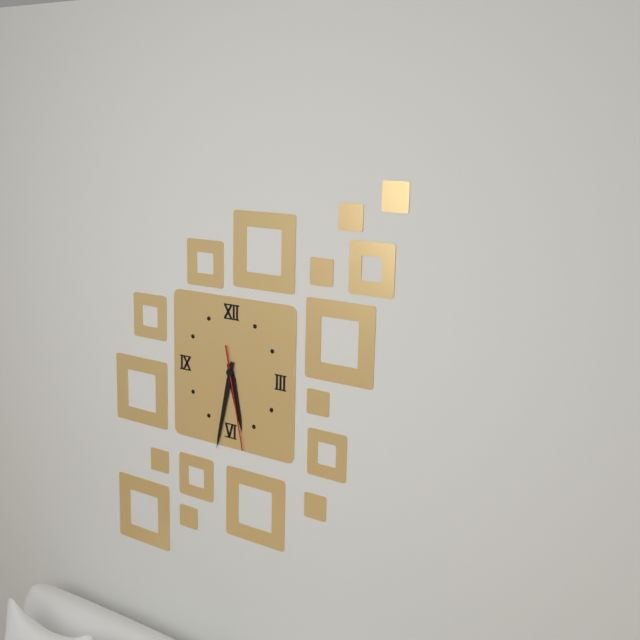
5.32.28
